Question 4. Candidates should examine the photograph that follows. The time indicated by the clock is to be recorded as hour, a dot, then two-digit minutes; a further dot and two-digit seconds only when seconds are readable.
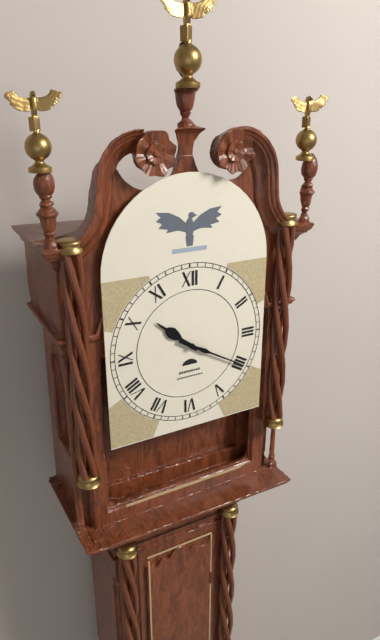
10.20
